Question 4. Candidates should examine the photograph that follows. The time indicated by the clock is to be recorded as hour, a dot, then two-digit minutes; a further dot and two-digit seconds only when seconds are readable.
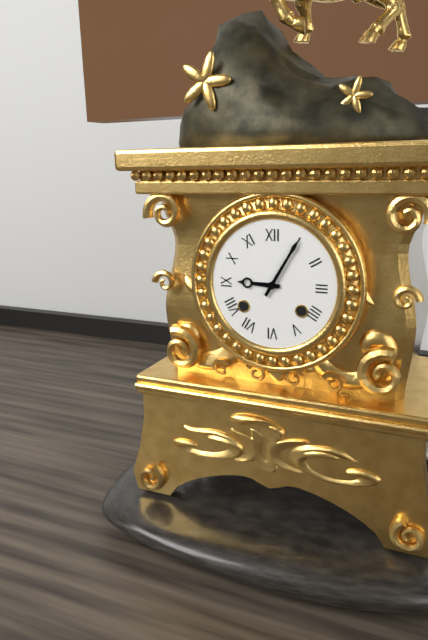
9.05
